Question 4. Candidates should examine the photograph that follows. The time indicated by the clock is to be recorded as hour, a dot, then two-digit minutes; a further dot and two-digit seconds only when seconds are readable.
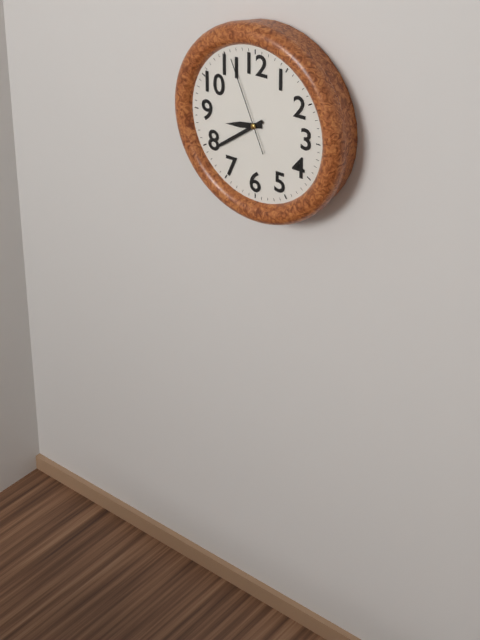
8.39.56
